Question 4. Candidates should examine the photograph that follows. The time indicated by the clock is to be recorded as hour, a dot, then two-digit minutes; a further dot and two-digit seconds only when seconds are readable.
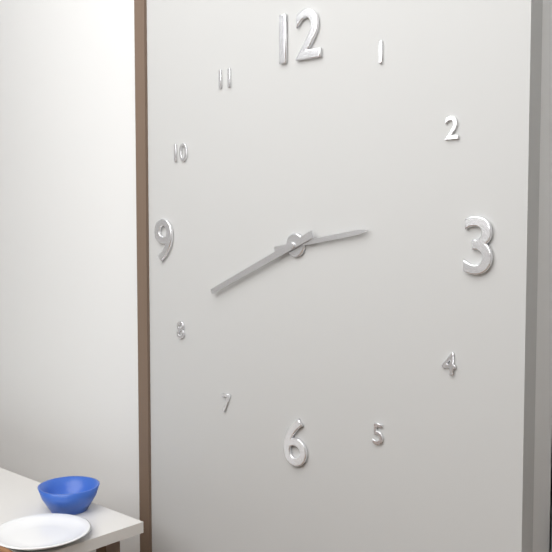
2.41
